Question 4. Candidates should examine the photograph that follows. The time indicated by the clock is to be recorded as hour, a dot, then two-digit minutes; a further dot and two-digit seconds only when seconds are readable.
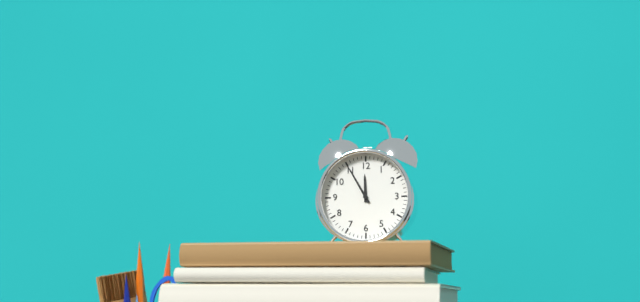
11.55
